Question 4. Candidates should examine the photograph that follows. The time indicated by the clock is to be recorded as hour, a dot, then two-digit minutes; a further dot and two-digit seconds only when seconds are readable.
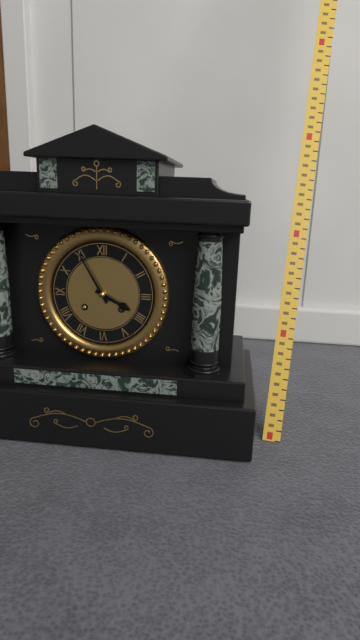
3.55
